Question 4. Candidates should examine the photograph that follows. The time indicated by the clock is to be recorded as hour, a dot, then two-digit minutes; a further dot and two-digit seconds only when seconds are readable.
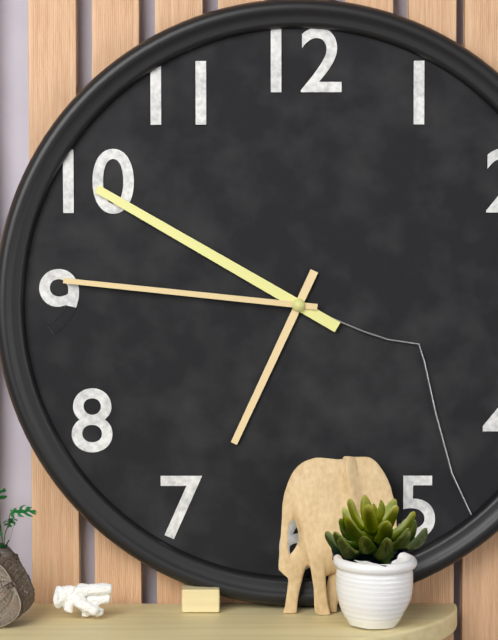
6.50.46
